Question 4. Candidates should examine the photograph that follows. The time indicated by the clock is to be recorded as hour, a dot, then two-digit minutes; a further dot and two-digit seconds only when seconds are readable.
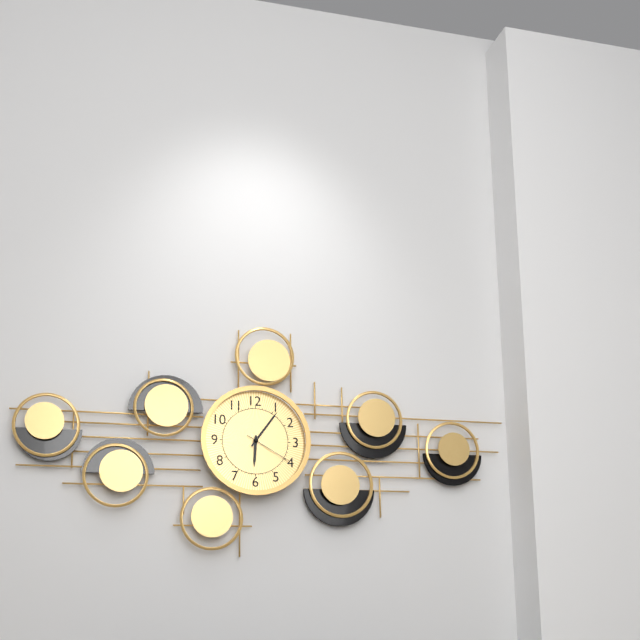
6.06.20
